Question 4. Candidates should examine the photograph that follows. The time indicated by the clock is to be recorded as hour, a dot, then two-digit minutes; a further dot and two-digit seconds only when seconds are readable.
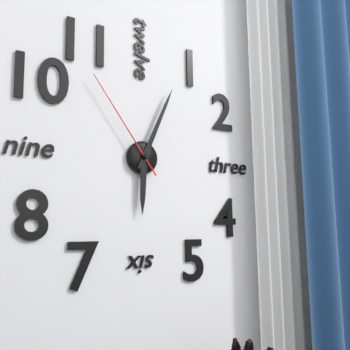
6.04.54
